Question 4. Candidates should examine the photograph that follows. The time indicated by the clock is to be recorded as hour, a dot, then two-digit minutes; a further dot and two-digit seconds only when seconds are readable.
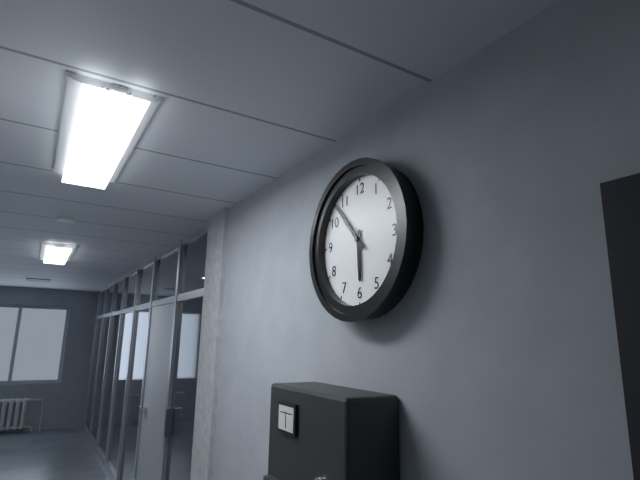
5.53
